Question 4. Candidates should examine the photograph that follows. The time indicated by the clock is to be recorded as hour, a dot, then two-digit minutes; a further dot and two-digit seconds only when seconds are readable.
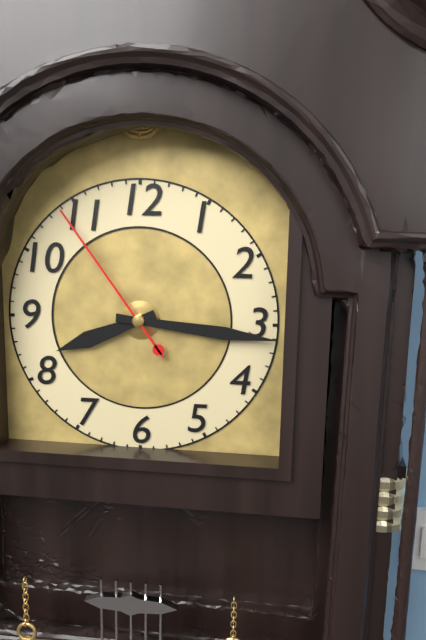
8.16.54
